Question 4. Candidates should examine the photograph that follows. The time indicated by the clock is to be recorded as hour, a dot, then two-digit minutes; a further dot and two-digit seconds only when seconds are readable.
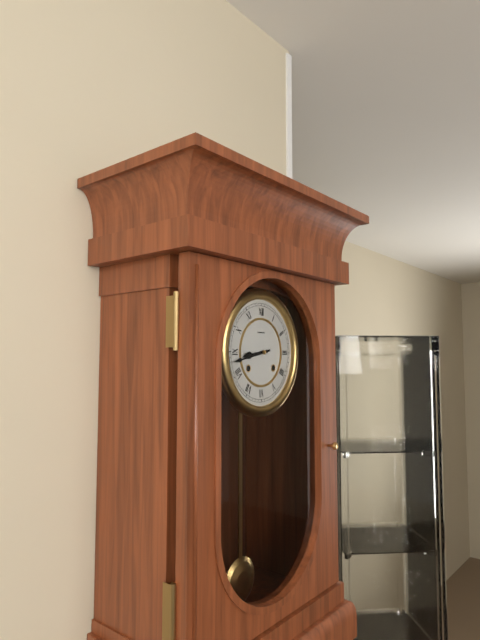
8.43
